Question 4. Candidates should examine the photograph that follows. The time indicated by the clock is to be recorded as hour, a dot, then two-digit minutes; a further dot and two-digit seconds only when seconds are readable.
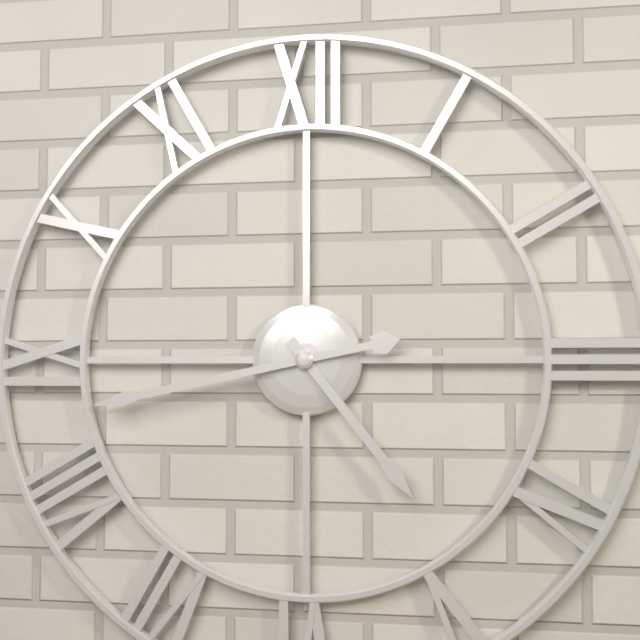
4.43
